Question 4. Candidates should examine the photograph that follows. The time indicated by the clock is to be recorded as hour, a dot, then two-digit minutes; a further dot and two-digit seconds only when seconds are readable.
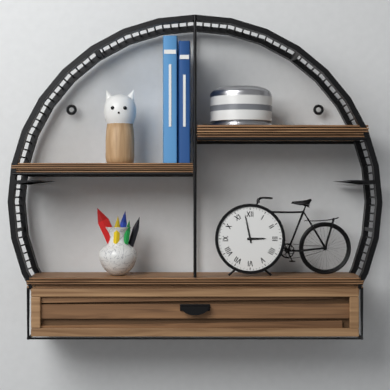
2.58
